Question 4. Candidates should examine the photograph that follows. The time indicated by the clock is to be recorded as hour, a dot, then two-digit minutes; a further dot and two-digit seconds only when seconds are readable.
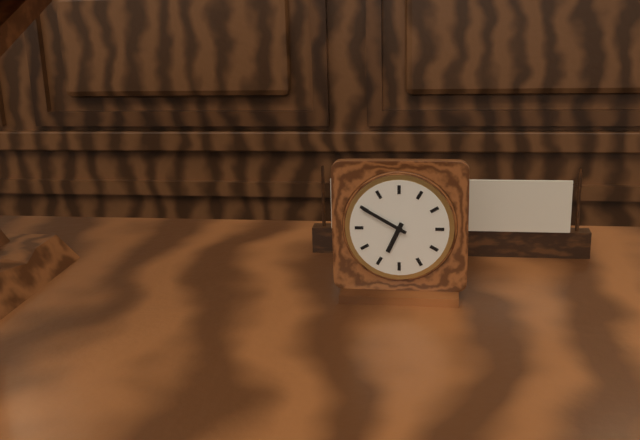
6.50
